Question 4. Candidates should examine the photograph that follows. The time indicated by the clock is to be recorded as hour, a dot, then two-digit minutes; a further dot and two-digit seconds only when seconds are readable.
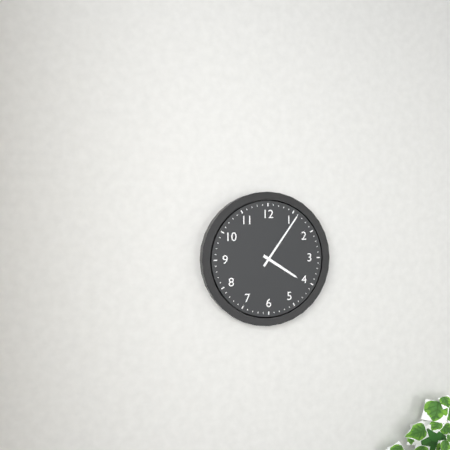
4.06
